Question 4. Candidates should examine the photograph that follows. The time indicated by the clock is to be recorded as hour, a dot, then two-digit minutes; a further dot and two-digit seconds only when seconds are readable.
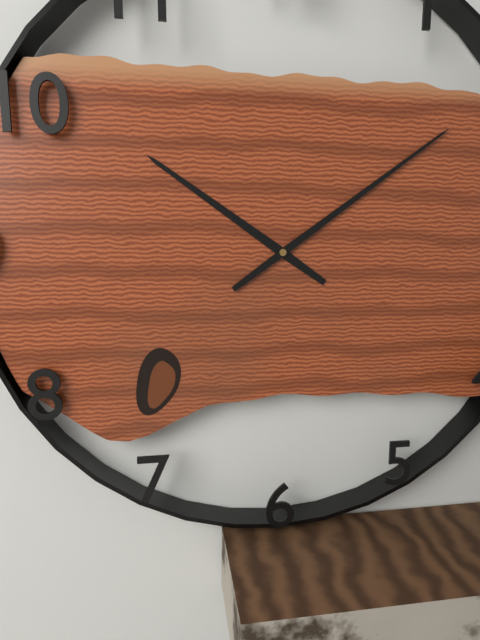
10.09
